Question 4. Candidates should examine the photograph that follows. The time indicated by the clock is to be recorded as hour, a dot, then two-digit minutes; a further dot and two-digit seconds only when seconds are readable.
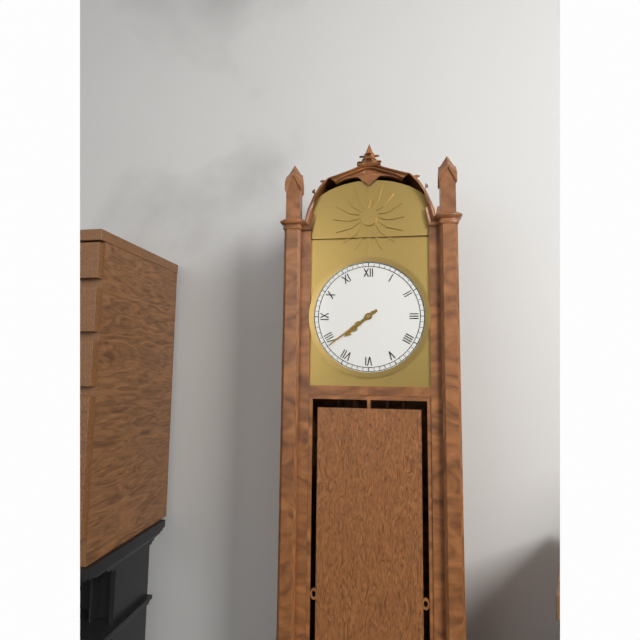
7.39
